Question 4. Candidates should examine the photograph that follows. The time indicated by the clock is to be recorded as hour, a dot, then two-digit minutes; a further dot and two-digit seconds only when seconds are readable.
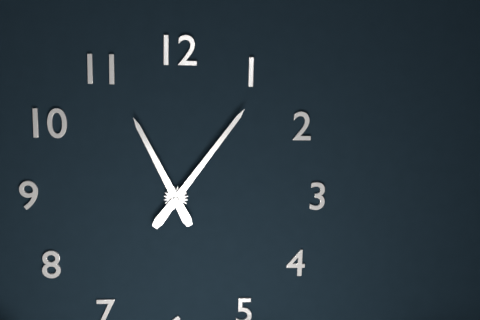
11.06
